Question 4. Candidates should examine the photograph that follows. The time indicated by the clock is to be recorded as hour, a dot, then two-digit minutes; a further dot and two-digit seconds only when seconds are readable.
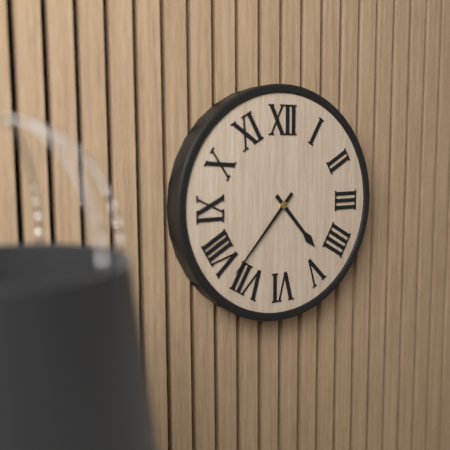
4.37
